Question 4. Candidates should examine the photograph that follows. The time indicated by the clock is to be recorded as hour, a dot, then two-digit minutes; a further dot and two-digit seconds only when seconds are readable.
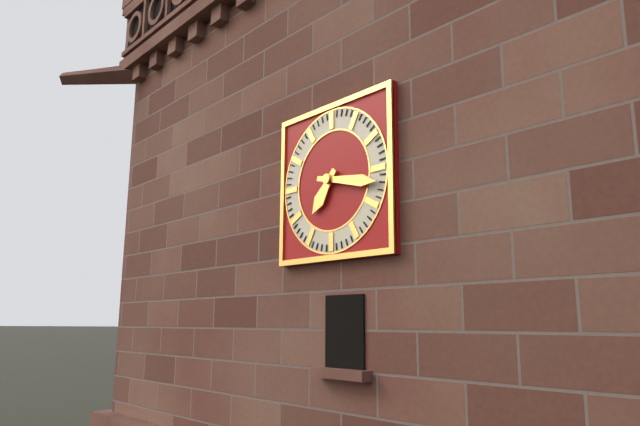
7.17
